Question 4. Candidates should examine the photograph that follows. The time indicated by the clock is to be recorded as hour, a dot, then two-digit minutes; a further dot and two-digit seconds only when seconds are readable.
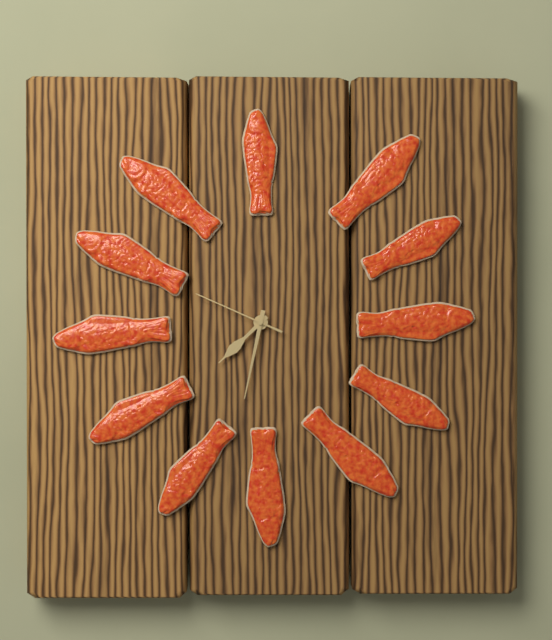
7.32.49
